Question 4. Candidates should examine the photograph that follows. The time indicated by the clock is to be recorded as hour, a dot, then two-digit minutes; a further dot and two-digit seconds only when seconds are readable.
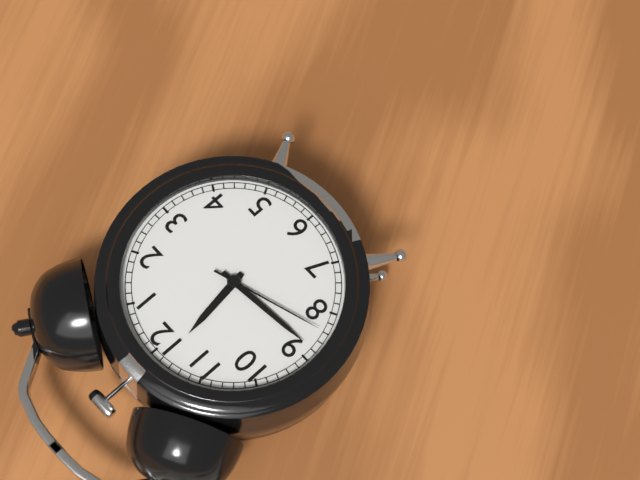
11.44.42
